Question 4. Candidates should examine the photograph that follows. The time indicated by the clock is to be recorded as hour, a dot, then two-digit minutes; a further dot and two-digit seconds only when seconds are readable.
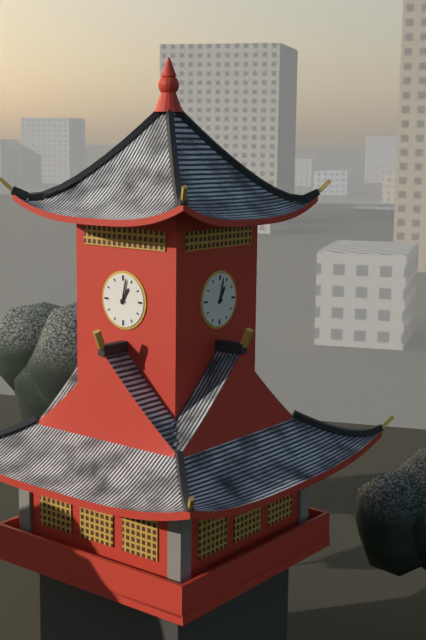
1.02
